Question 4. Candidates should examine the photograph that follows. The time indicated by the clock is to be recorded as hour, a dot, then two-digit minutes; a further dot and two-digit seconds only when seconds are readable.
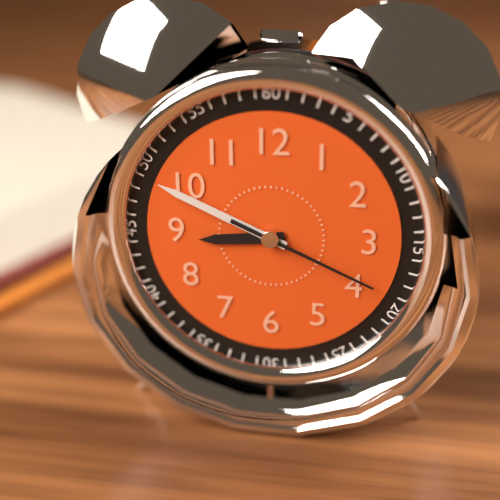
8.49.19
